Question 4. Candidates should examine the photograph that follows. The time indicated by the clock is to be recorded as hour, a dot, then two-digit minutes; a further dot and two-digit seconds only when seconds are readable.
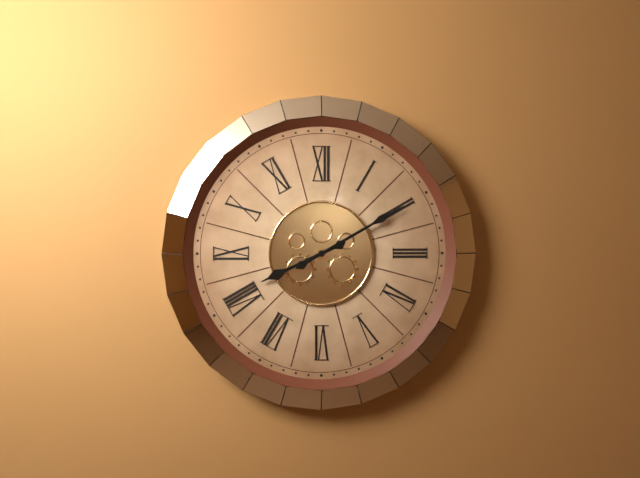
8.10
